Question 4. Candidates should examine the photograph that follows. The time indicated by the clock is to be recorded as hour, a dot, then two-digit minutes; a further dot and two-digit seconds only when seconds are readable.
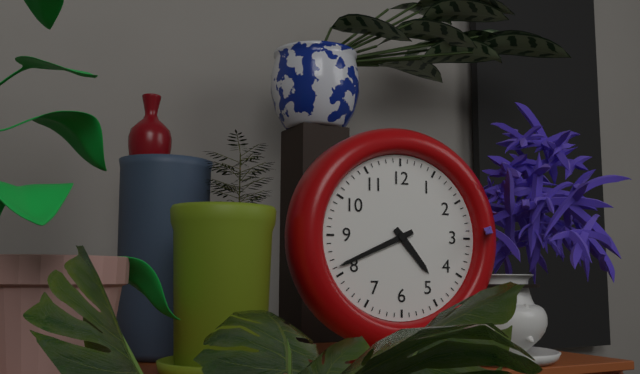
4.41
